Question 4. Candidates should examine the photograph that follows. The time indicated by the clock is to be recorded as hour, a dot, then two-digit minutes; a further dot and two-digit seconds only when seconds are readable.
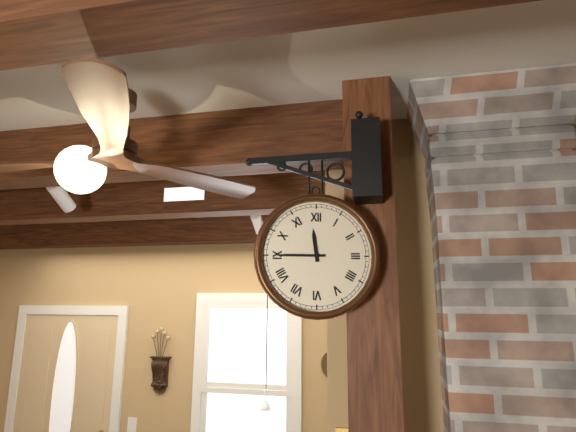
11.45
